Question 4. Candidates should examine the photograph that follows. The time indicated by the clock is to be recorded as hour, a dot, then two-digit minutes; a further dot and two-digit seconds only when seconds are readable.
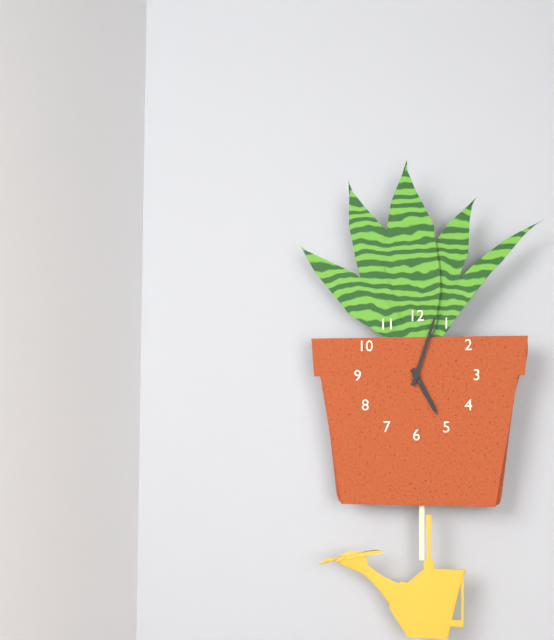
5.03
